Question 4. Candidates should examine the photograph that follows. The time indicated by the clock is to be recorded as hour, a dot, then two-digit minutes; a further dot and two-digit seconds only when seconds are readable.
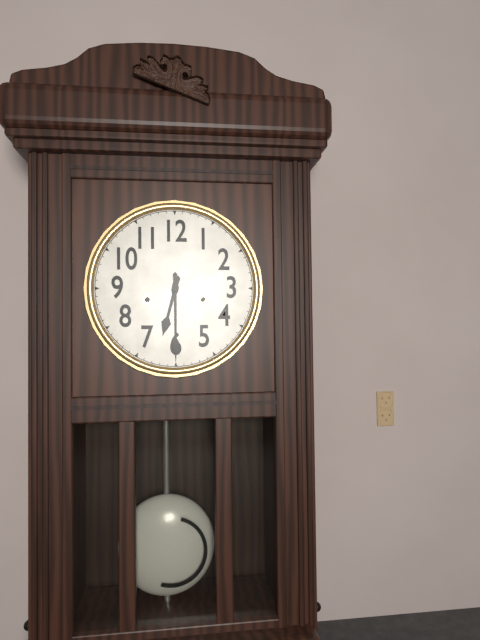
6.30
